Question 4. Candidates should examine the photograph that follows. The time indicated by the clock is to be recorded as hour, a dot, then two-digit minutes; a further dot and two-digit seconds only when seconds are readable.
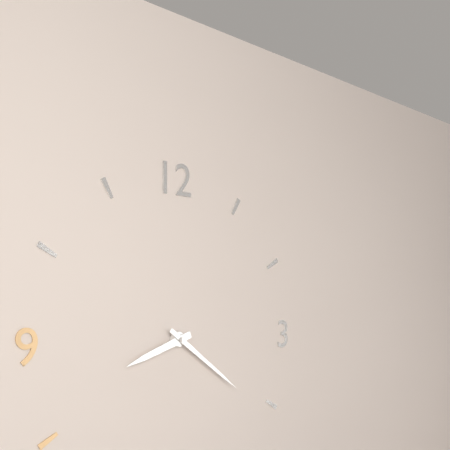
8.21
